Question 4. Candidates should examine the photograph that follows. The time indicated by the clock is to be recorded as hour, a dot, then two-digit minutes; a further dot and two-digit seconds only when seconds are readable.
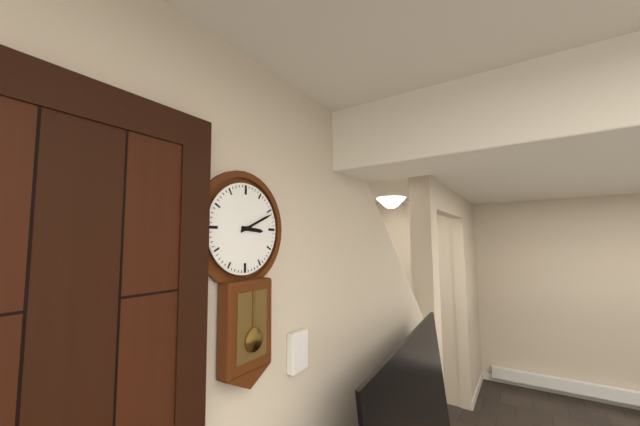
3.11
